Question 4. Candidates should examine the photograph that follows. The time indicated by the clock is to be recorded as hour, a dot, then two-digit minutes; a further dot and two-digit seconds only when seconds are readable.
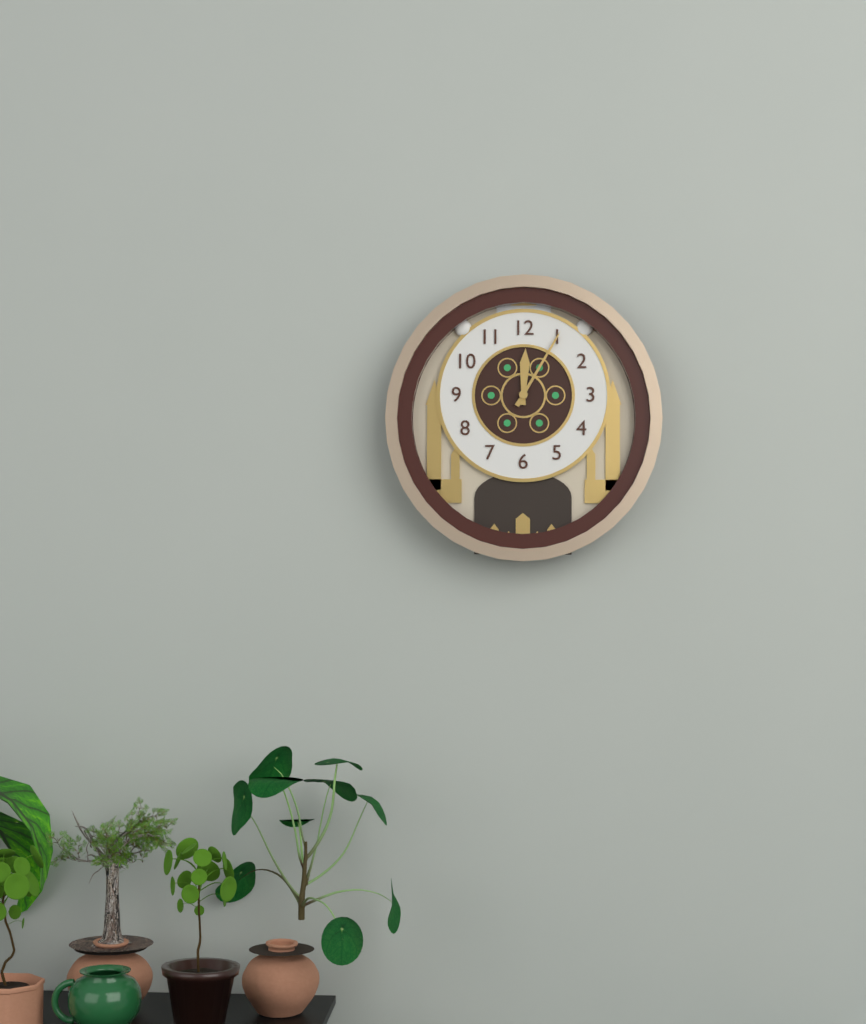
12.05
